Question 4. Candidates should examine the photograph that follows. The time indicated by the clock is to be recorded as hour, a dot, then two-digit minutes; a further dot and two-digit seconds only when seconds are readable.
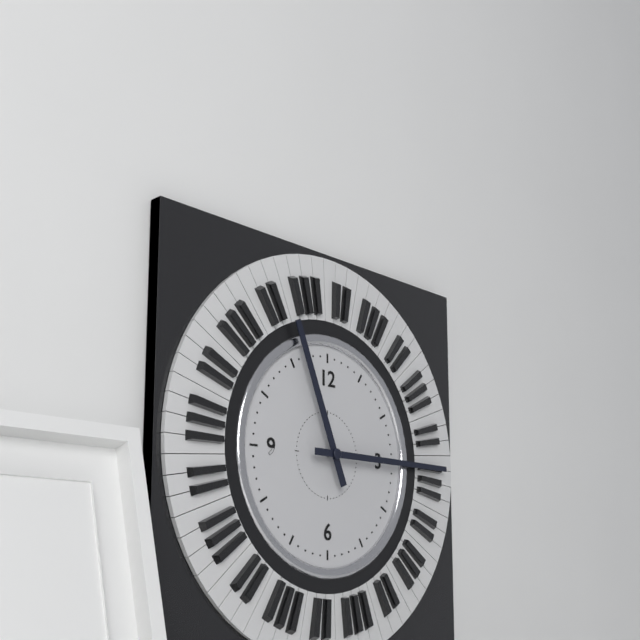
11.15
